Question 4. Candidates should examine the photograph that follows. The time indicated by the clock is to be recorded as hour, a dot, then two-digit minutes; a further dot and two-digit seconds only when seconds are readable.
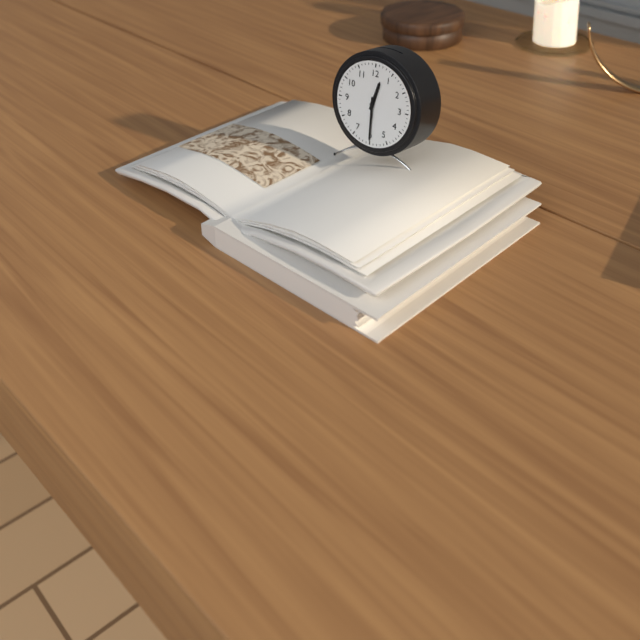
12.30
